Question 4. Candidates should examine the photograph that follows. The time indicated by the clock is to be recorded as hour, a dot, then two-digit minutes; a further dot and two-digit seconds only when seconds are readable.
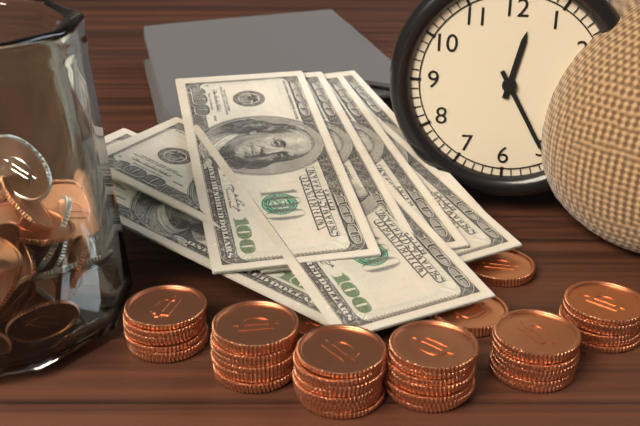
12.25
